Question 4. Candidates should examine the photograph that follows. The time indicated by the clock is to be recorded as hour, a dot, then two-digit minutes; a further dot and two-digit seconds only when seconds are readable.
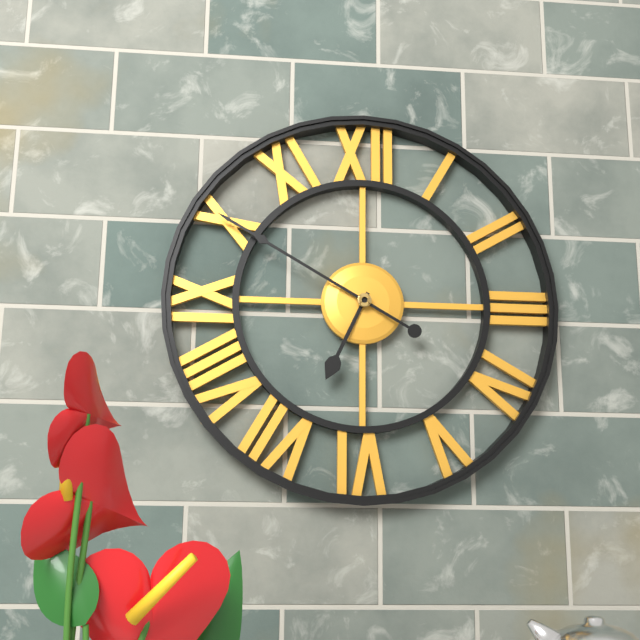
6.50
